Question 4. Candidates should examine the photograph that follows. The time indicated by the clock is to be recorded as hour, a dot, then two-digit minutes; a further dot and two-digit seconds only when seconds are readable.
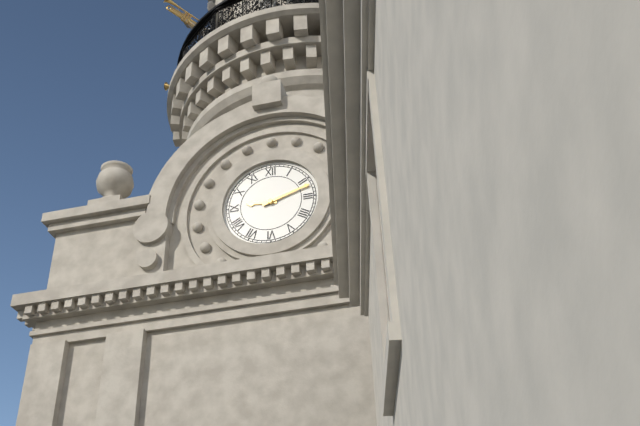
9.12
